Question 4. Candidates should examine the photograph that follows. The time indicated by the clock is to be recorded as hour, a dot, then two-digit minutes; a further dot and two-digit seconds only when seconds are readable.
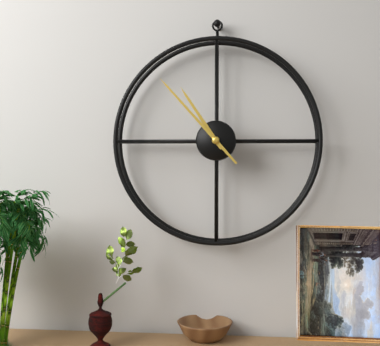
10.53
